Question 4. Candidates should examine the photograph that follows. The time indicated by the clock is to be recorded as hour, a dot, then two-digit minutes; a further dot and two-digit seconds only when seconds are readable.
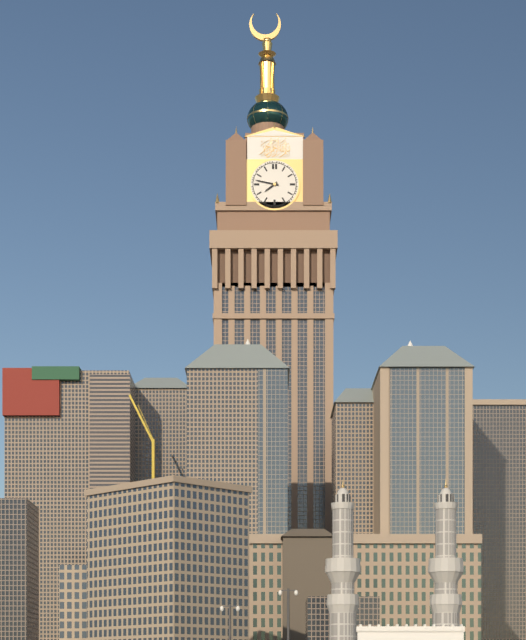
7.47
